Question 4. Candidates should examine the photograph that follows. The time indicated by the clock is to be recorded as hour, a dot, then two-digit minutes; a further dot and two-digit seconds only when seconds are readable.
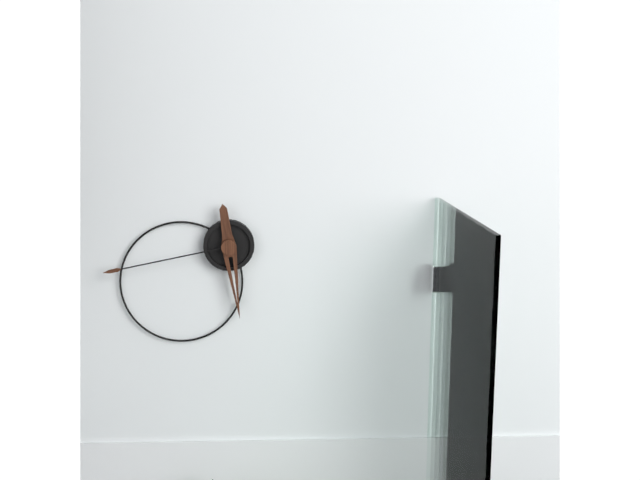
5.43
